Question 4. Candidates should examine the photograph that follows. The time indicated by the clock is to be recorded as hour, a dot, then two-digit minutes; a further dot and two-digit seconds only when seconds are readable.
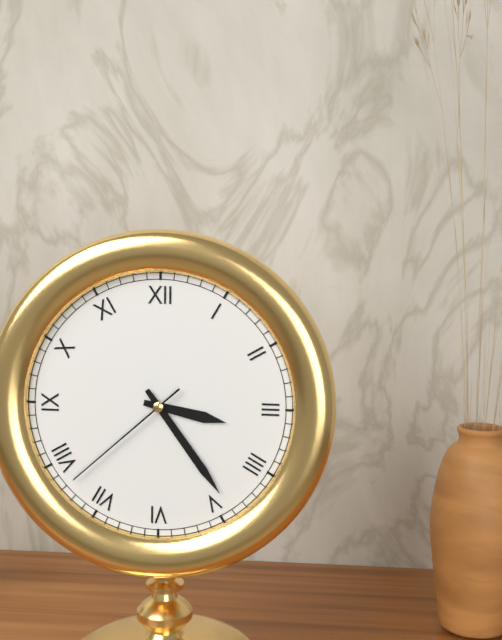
3.24.38
